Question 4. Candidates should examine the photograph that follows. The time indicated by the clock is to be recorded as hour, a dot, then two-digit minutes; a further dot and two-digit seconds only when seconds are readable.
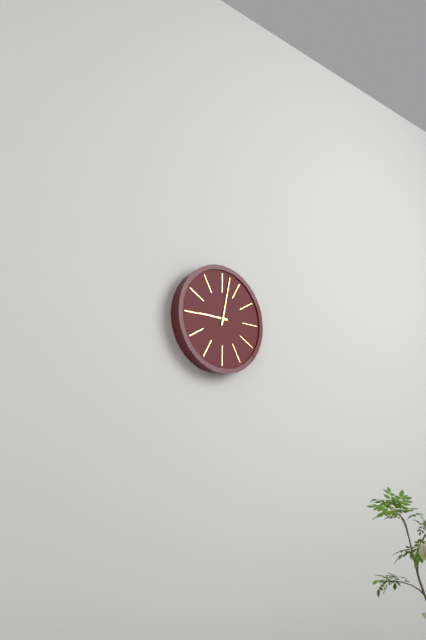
9.02
